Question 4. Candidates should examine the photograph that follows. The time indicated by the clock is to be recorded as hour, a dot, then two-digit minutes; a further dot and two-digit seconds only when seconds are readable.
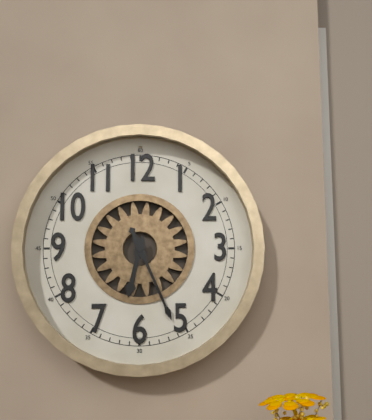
6.26
